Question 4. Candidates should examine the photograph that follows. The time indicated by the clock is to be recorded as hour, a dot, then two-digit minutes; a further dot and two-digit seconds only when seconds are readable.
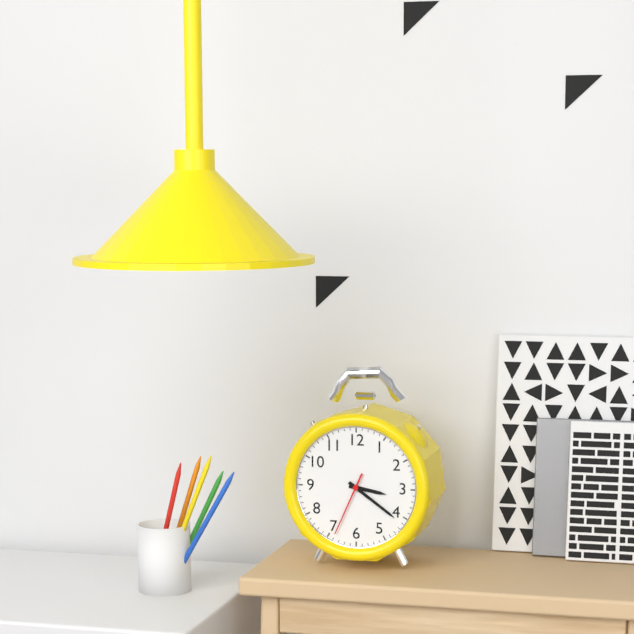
3.21.34
